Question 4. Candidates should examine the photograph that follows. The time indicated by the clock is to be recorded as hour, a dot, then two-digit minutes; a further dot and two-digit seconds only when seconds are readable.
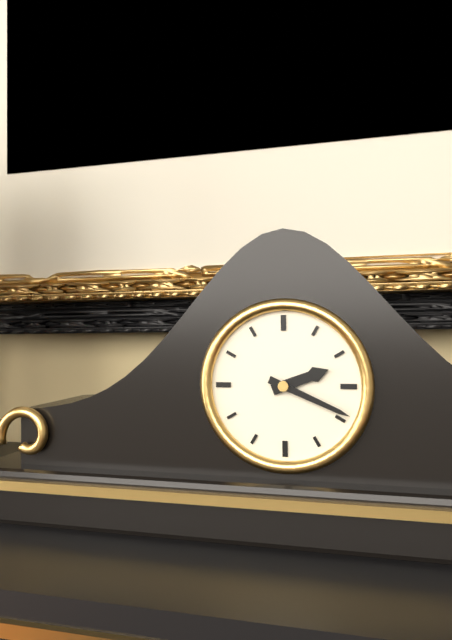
2.19
